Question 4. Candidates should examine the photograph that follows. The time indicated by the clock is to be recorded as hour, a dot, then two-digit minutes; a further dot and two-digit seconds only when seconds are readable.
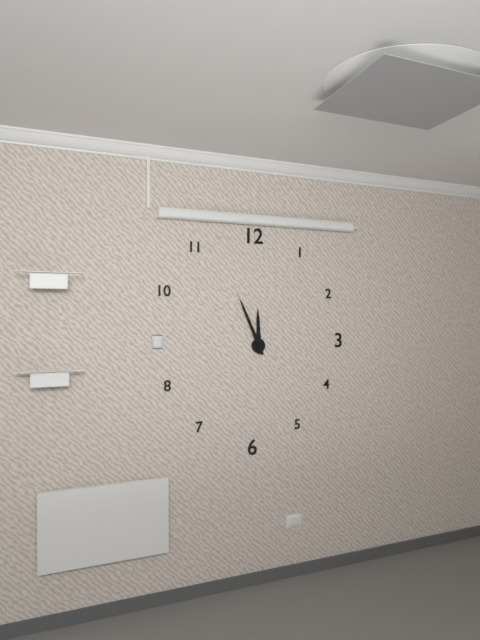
11.56
